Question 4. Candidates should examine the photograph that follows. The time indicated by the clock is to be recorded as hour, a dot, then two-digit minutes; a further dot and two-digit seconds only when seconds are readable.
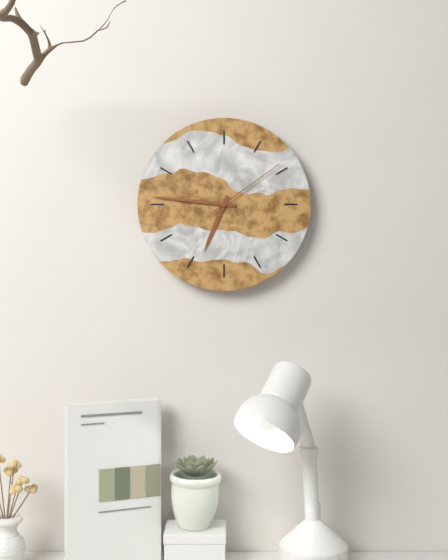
6.46.09
